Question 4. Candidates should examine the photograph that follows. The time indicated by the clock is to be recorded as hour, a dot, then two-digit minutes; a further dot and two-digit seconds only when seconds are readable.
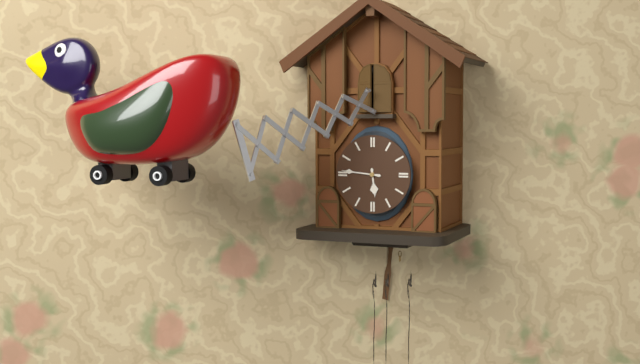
5.46
